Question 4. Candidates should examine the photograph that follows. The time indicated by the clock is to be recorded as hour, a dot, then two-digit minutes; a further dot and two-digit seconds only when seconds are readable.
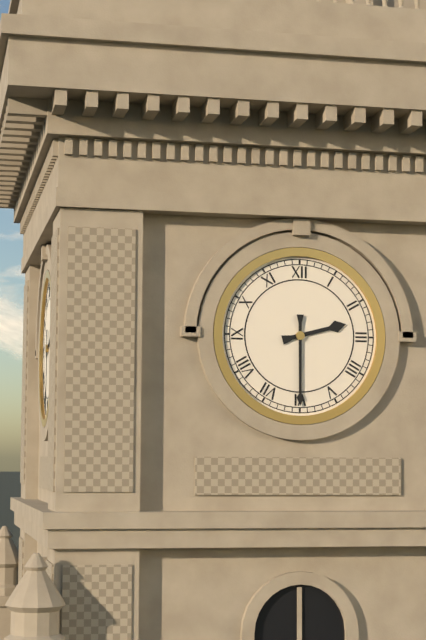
2.30
